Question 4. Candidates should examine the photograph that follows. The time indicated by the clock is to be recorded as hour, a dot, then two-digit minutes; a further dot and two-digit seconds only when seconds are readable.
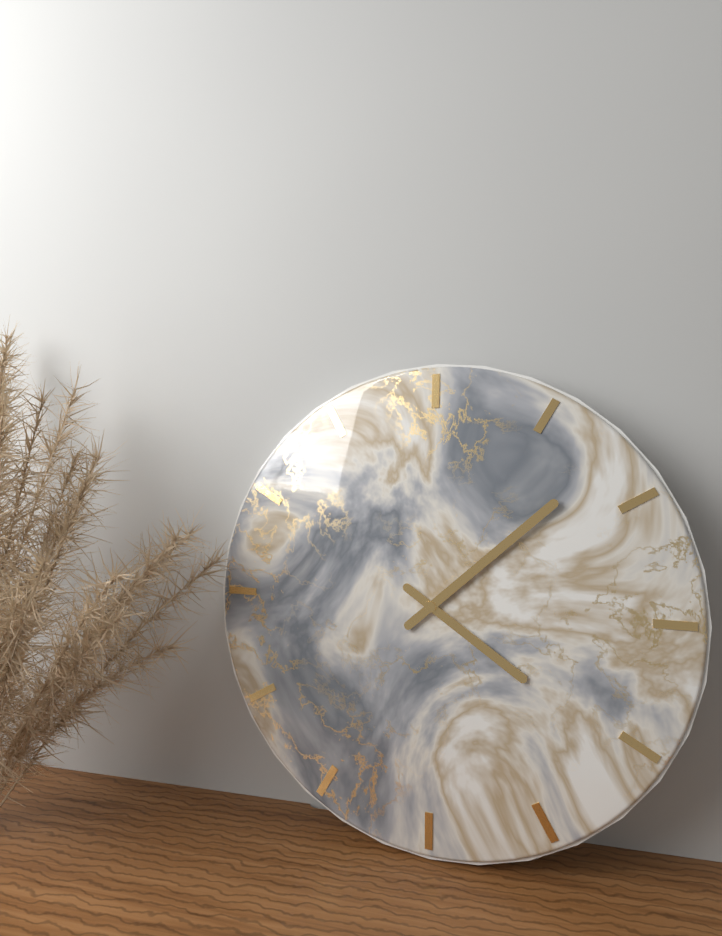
4.08
